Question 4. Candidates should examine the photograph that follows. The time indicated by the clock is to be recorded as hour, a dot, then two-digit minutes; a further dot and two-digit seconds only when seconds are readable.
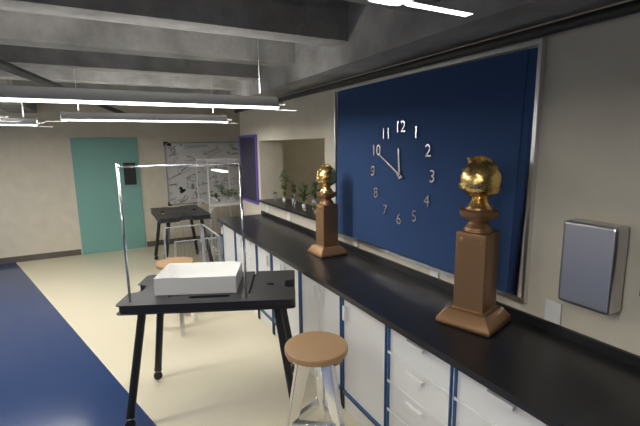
11.50
